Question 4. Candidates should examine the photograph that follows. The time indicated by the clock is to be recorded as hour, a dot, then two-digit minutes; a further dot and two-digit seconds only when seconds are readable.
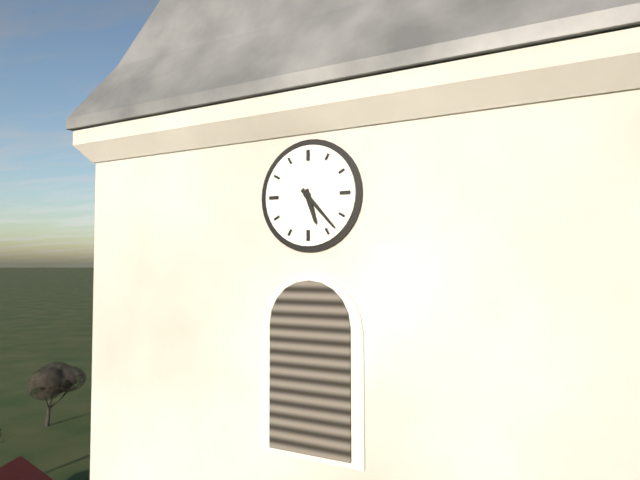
5.23
